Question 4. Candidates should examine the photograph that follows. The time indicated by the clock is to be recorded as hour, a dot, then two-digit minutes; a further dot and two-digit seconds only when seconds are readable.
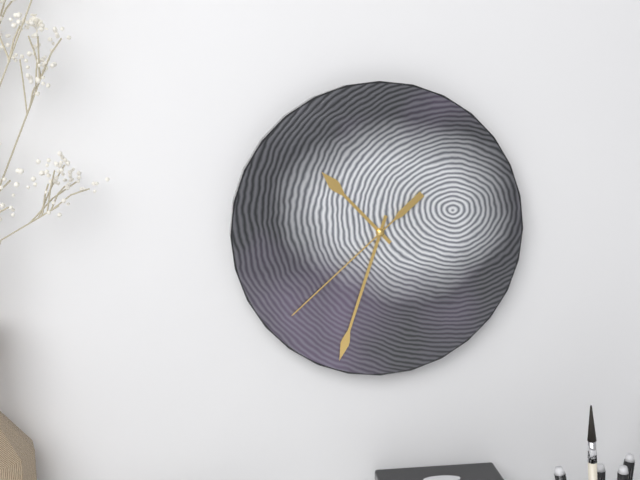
10.33.38
